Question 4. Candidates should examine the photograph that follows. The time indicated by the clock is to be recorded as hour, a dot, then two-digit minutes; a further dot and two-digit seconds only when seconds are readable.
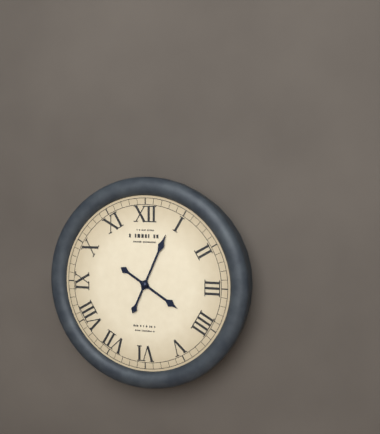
4.04
